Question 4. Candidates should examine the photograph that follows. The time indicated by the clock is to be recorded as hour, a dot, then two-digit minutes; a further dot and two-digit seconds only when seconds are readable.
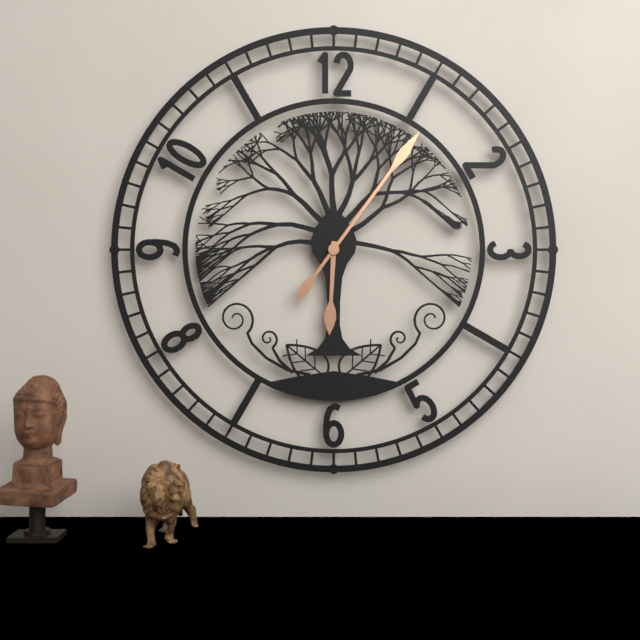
6.06
